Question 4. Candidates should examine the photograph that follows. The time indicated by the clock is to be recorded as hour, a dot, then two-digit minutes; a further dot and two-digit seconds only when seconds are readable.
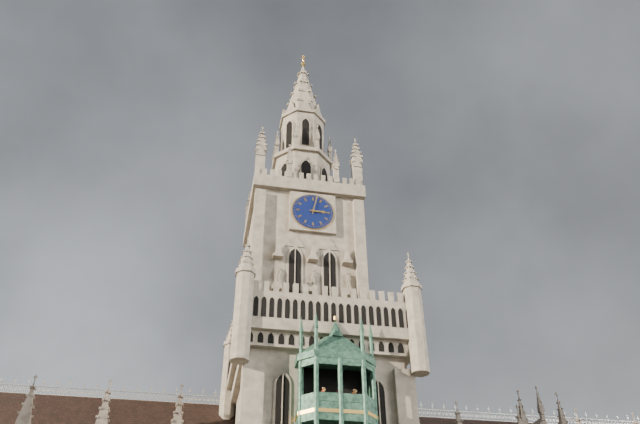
3.02
